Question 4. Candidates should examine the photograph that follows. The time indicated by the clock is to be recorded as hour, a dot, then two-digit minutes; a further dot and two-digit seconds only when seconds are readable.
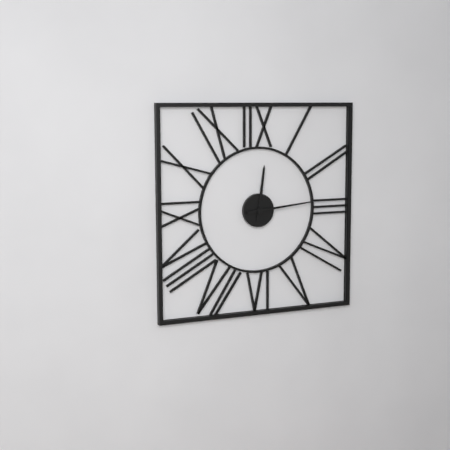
12.14
